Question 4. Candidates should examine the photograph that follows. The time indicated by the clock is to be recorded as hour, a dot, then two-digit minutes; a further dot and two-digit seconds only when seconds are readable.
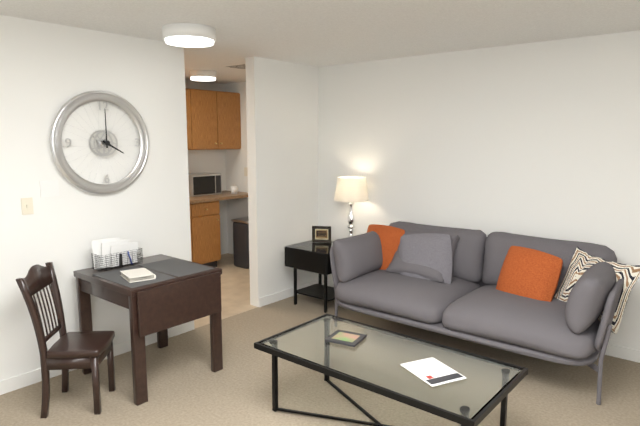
4.00
